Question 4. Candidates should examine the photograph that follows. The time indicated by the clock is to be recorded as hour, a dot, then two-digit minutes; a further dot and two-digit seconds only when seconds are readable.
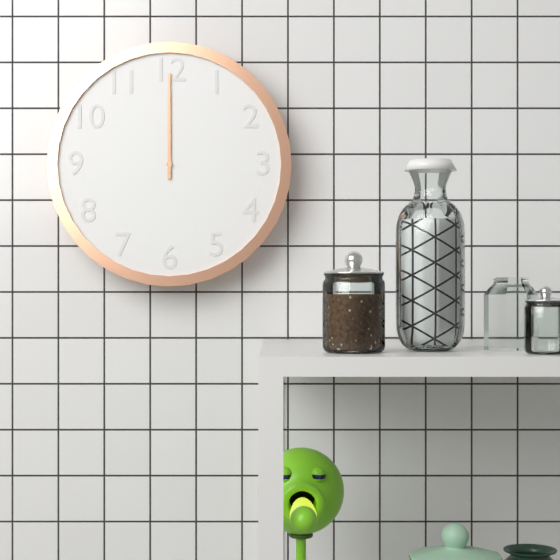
12.00
